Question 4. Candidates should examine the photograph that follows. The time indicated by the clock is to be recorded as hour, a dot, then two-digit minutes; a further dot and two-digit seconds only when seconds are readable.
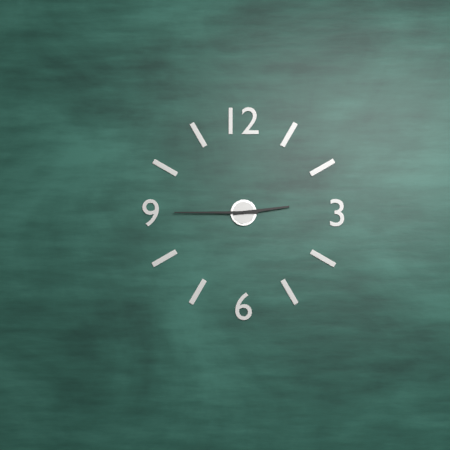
2.45
